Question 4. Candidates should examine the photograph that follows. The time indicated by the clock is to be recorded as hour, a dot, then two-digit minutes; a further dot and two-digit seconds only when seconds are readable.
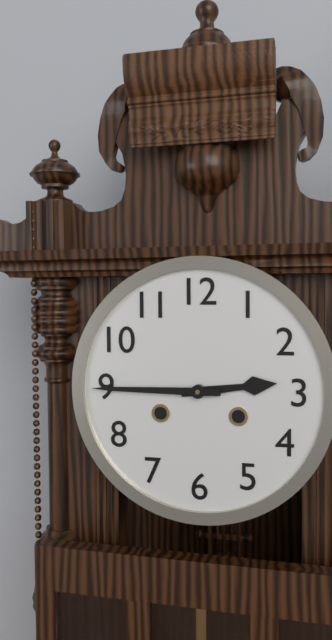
2.45
